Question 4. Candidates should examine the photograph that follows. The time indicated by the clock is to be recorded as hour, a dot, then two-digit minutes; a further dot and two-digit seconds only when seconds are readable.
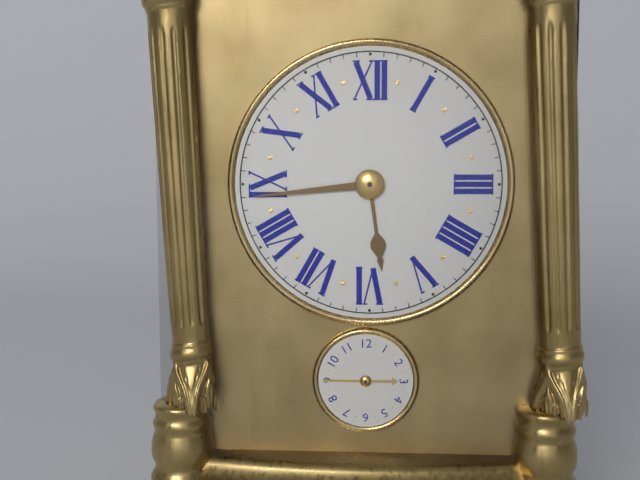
5.44
